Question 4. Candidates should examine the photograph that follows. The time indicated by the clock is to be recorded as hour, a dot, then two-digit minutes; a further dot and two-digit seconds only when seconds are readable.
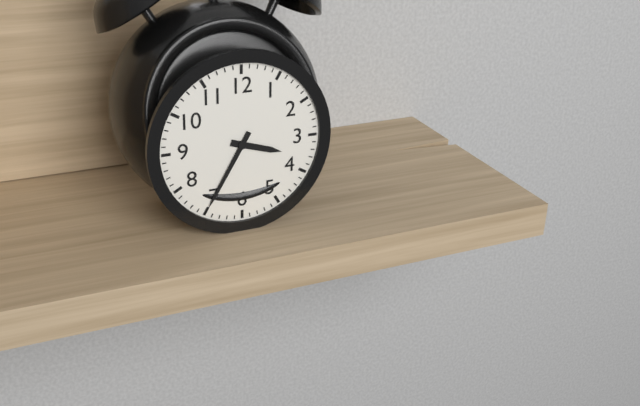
3.35
